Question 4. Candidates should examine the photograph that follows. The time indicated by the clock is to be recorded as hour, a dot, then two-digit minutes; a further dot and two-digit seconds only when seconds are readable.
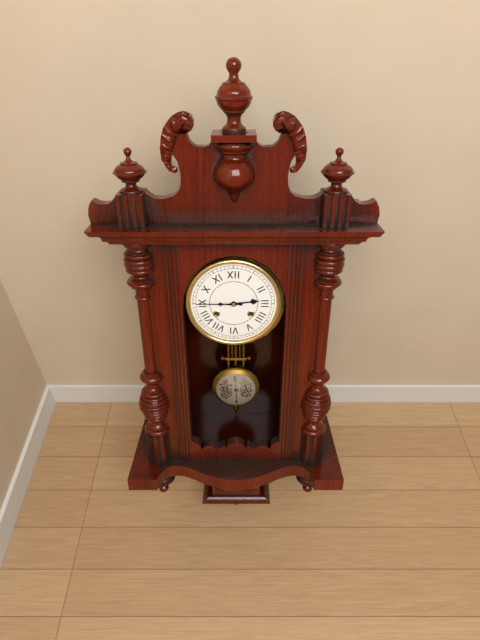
2.45
